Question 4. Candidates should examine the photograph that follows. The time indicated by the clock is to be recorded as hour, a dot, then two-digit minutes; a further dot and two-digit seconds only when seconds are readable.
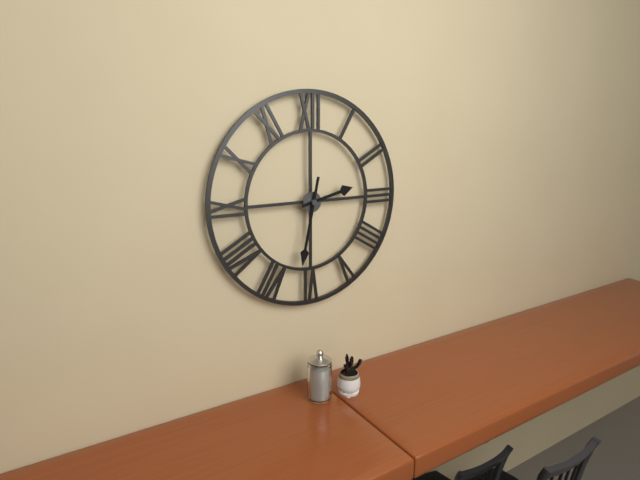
2.32
